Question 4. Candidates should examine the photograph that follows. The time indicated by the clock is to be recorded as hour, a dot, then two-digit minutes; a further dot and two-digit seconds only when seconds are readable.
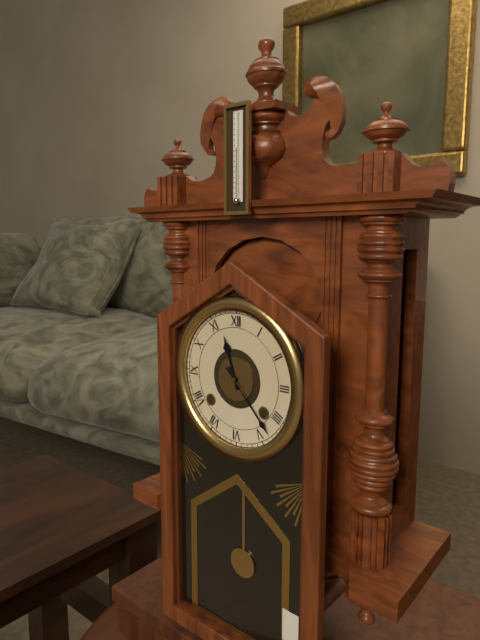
11.23
